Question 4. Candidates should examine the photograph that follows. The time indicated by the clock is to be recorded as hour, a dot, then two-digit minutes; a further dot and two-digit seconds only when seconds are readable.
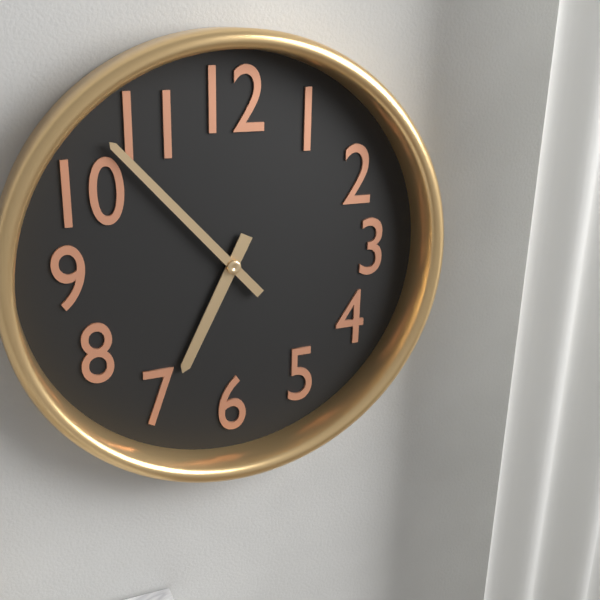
6.53
